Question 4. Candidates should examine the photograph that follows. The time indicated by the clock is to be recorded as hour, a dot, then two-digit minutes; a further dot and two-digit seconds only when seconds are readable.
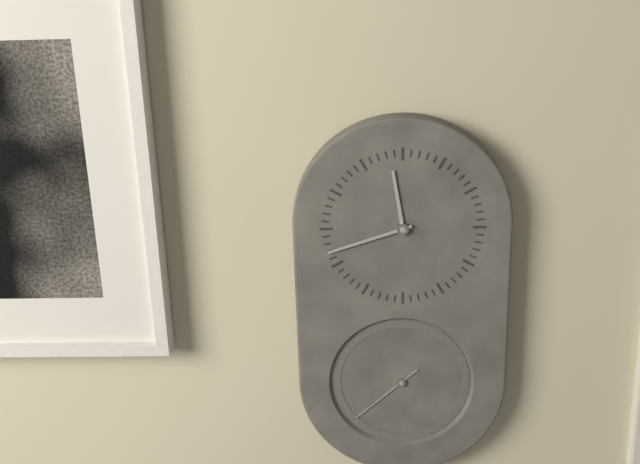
11.42.38
